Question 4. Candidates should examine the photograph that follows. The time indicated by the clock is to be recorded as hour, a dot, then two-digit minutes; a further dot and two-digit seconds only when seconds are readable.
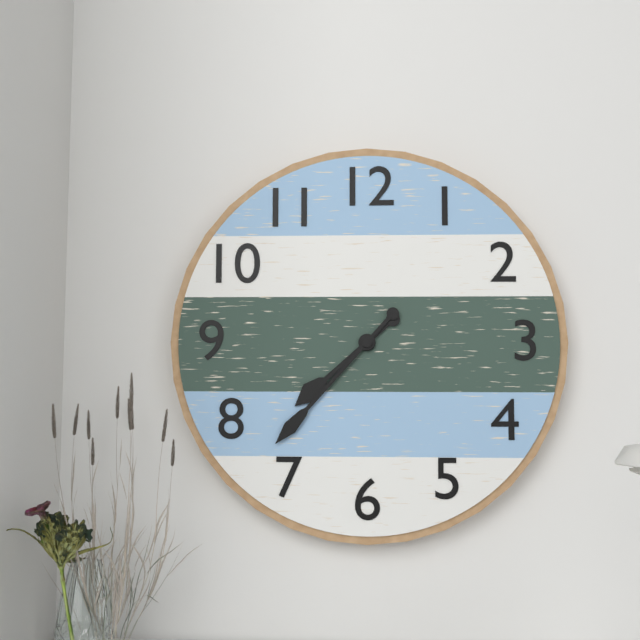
7.37
